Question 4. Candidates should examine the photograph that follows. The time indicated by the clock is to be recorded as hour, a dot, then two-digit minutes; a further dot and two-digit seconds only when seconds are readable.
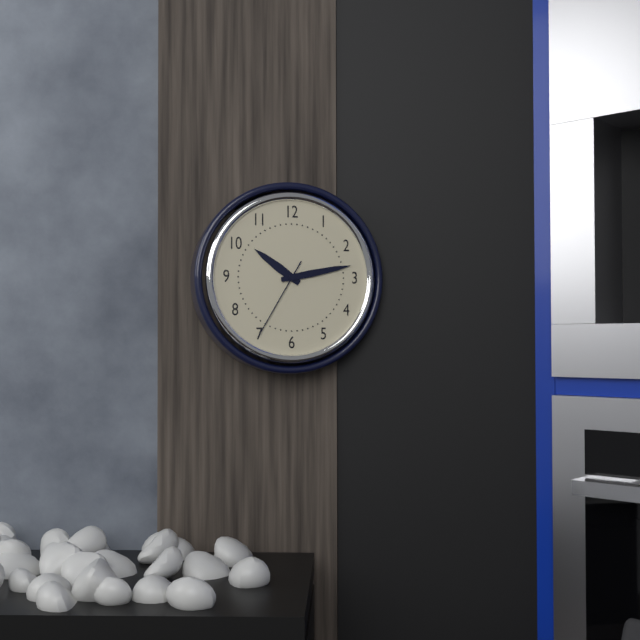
10.13.35
